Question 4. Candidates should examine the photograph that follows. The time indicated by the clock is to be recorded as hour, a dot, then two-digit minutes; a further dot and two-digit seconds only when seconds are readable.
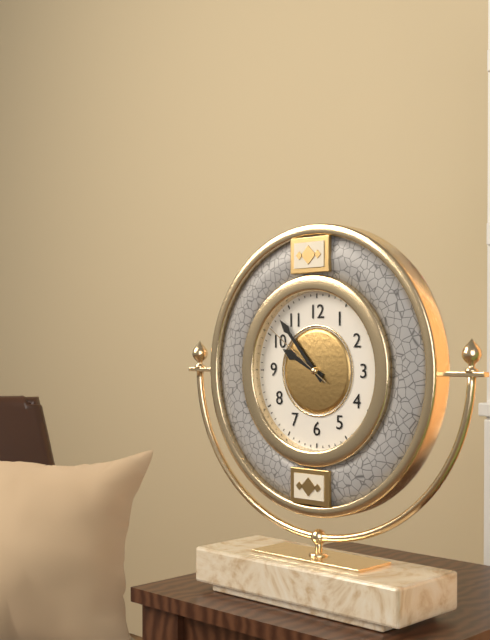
9.53.51
